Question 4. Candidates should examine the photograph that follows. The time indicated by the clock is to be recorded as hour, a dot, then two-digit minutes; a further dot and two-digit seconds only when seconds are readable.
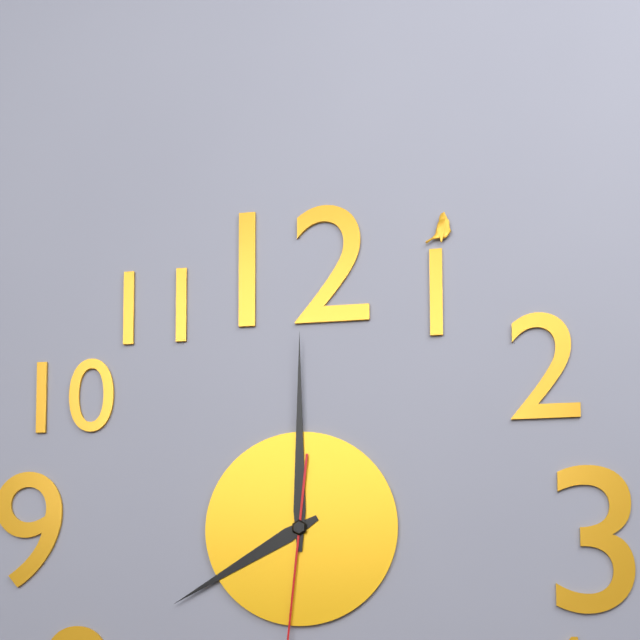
8.00
